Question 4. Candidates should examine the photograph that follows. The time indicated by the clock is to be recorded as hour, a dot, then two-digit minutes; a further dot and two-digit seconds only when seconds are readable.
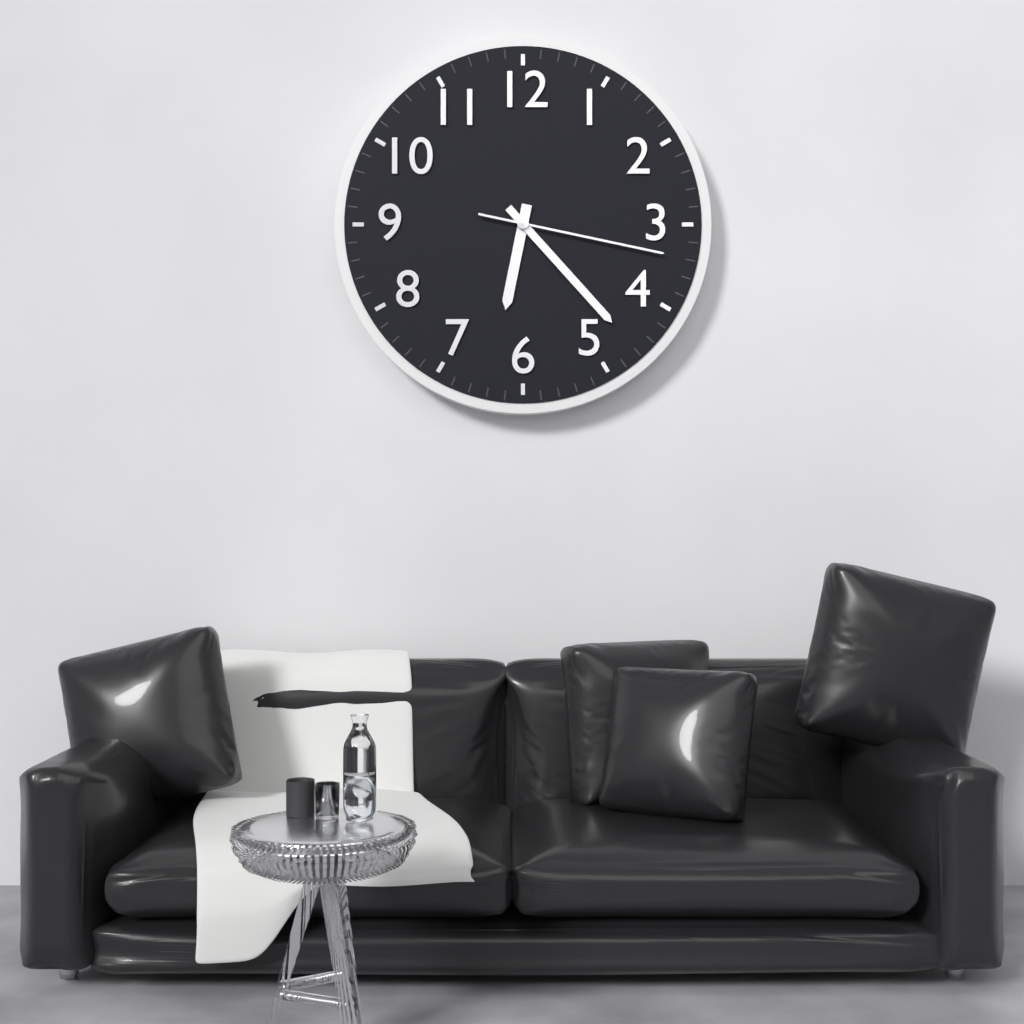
6.23.17
